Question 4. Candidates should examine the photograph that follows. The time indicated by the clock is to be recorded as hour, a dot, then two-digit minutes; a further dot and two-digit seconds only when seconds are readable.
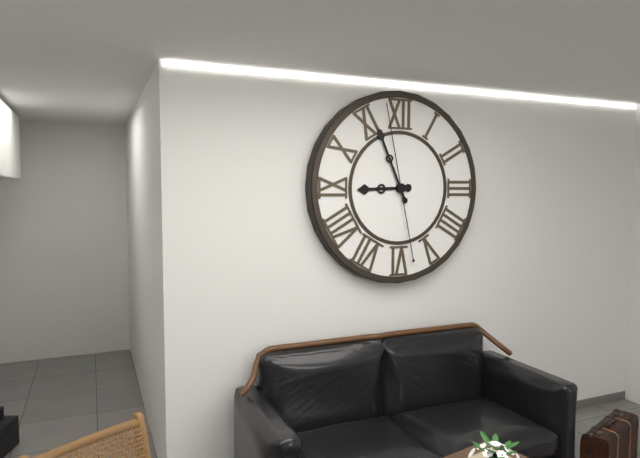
8.56.58
